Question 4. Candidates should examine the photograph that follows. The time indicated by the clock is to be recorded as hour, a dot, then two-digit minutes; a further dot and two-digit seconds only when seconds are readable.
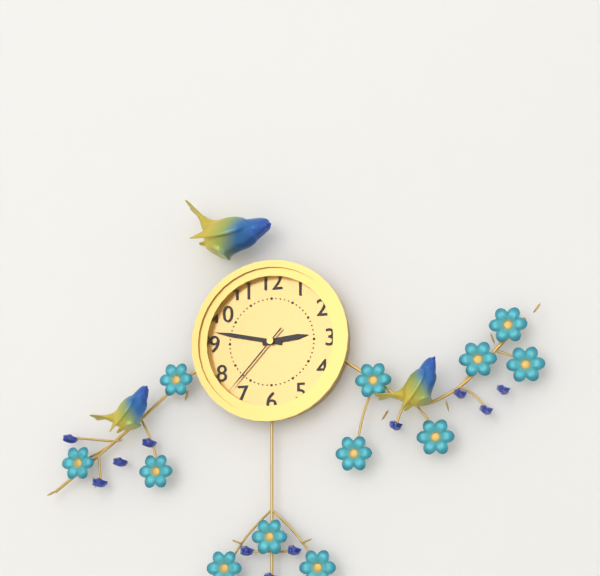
2.47.37
